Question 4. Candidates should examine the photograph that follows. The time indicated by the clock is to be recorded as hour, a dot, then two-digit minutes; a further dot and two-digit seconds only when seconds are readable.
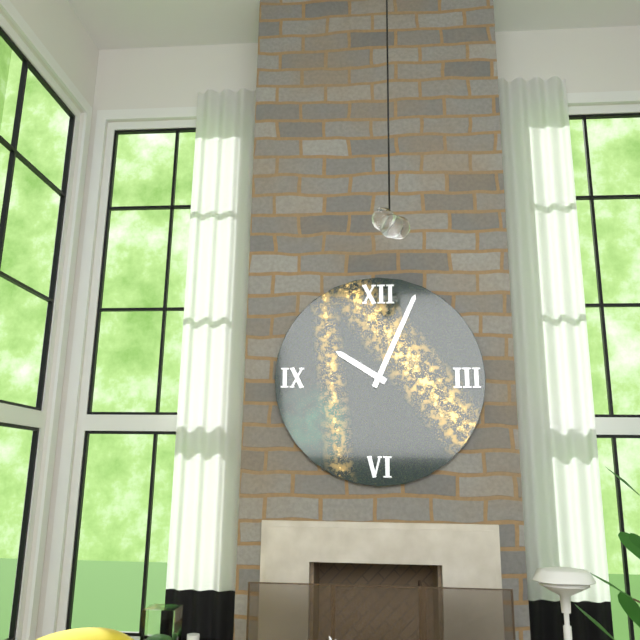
10.04
